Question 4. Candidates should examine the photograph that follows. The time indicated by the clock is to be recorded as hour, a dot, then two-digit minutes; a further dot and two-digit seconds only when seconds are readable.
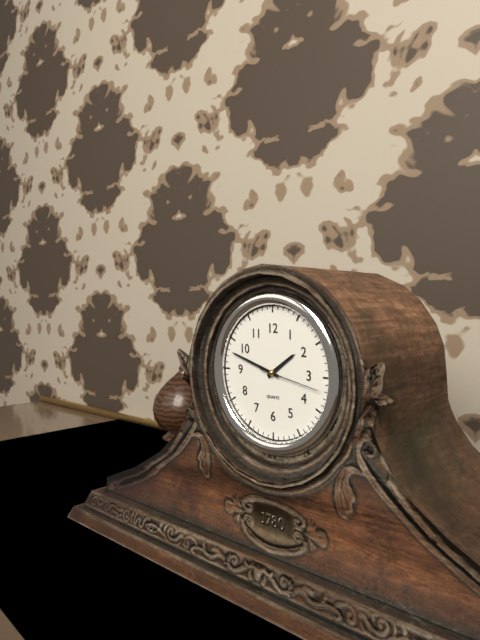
1.48.17
